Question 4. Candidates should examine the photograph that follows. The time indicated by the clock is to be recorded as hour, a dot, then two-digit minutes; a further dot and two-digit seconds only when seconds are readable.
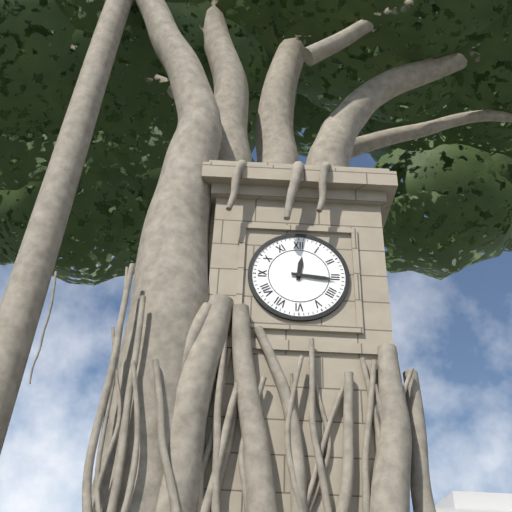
12.16
